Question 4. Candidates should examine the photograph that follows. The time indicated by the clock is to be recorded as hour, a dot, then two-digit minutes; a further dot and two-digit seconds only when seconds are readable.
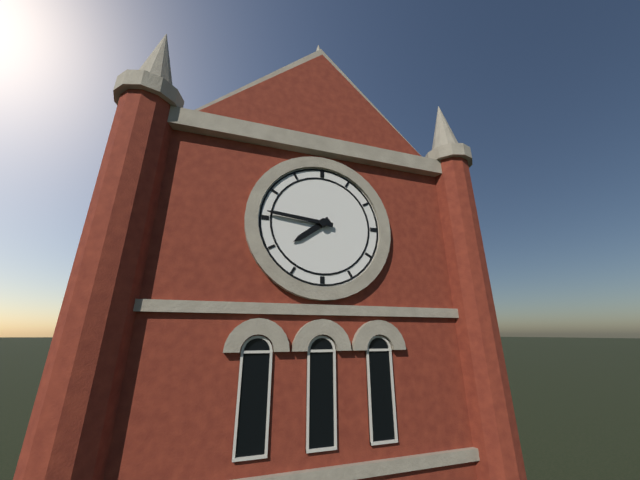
7.46
